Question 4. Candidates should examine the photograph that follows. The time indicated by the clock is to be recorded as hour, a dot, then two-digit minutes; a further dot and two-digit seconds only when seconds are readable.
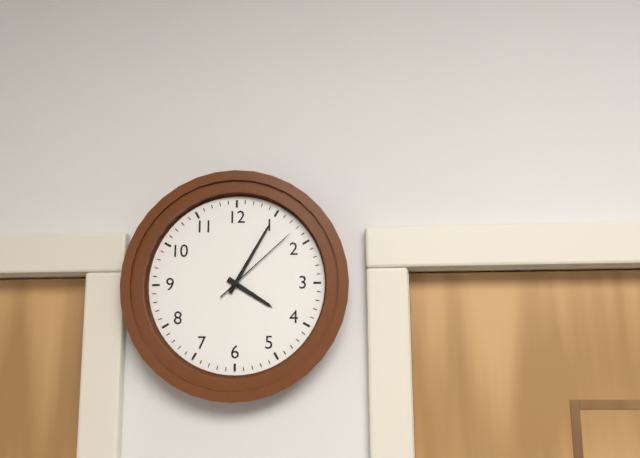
4.05.08
